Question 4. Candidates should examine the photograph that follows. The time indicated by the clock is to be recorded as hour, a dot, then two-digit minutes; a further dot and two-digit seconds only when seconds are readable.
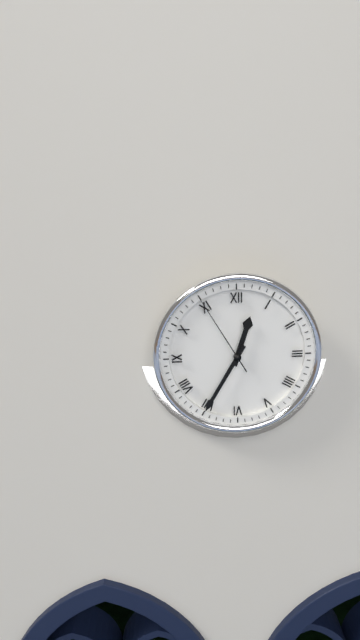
12.35.55
